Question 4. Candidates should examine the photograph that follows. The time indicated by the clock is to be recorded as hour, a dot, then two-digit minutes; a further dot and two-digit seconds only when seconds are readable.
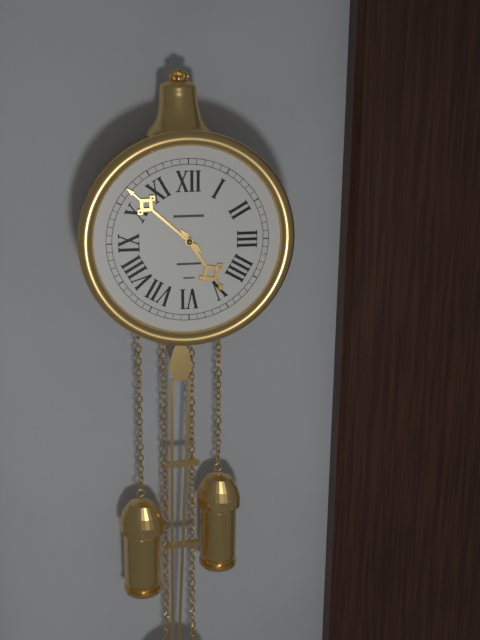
4.52
